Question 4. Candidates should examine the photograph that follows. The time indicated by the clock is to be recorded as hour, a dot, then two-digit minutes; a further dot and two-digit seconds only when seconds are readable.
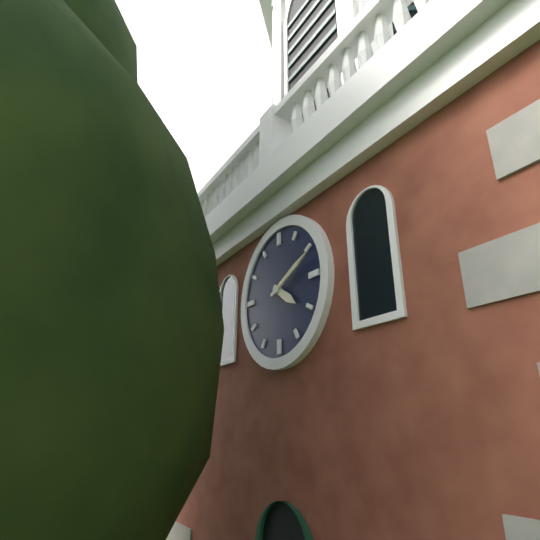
4.11
